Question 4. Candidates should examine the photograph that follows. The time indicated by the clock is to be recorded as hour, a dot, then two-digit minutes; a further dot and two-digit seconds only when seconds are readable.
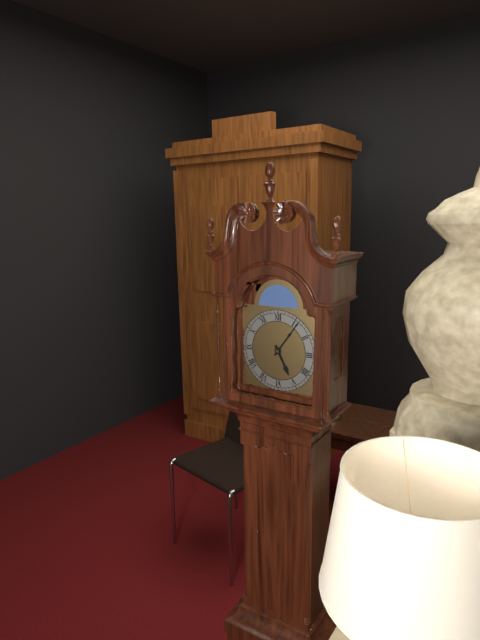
5.06
